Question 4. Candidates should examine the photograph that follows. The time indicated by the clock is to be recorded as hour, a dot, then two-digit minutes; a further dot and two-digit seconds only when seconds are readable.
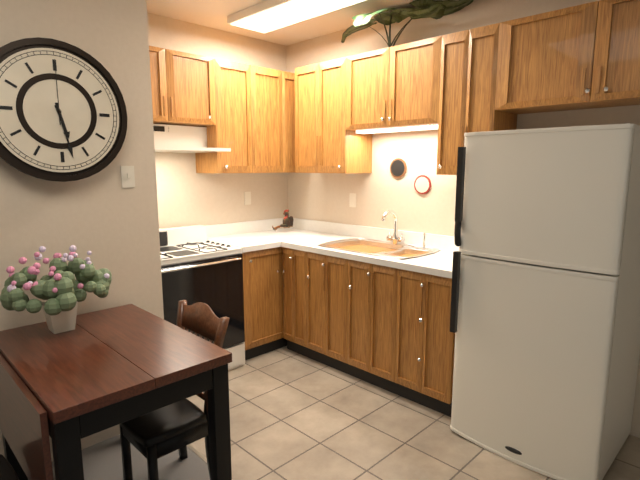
5.28.00
